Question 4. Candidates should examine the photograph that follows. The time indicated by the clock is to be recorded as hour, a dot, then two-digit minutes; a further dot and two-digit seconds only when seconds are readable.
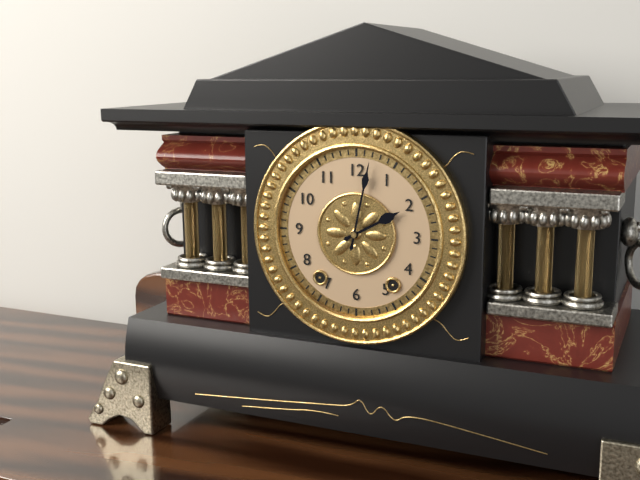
2.02
